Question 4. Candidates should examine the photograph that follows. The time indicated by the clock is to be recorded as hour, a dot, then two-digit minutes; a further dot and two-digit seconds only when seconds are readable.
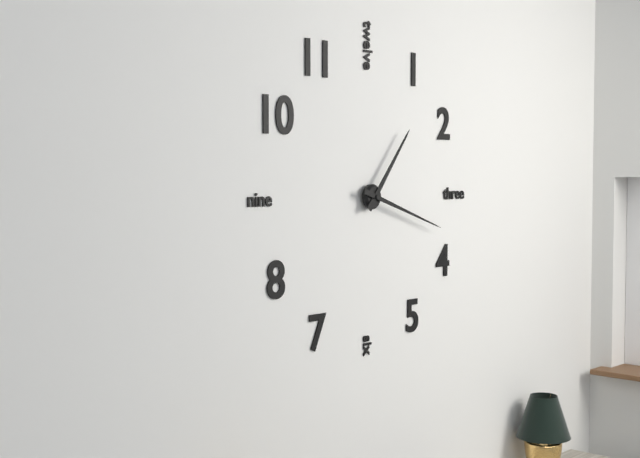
1.18
